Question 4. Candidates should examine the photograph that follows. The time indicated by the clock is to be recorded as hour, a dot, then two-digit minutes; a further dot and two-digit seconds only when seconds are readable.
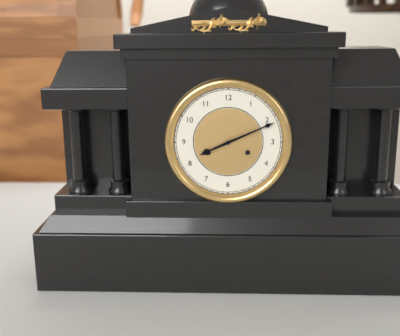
8.11
